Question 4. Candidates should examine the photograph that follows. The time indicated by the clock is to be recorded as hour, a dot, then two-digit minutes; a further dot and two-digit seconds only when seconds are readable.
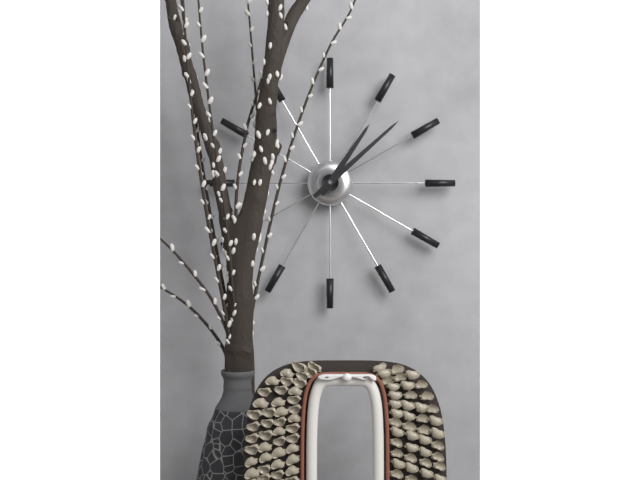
1.08
